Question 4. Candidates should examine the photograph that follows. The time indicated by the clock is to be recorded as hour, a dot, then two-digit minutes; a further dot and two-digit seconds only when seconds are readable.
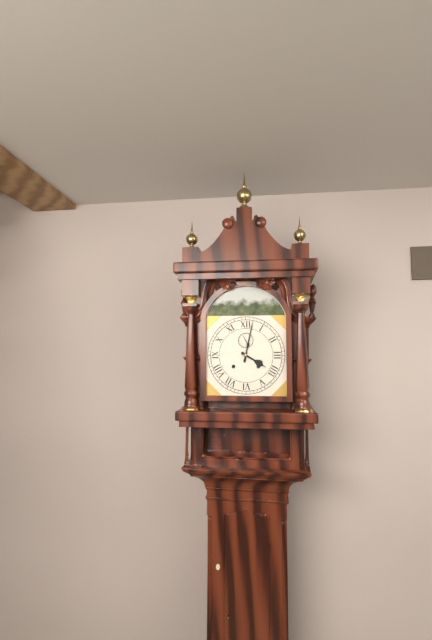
4.02
